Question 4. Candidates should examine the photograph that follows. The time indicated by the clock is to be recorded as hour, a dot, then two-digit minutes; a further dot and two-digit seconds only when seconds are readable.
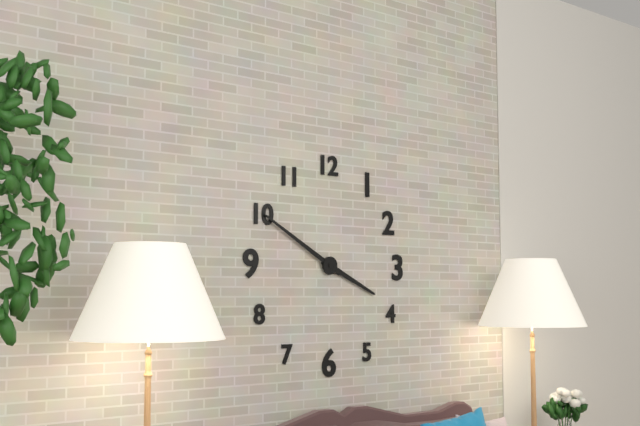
3.50
